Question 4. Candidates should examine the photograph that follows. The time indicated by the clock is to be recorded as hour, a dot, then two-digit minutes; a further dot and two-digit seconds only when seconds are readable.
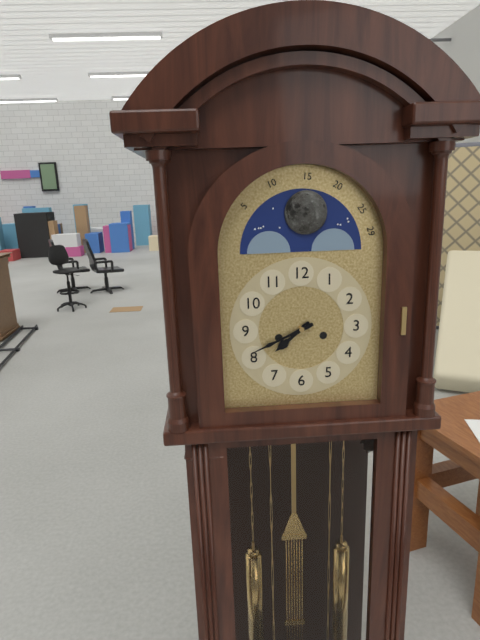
7.41
